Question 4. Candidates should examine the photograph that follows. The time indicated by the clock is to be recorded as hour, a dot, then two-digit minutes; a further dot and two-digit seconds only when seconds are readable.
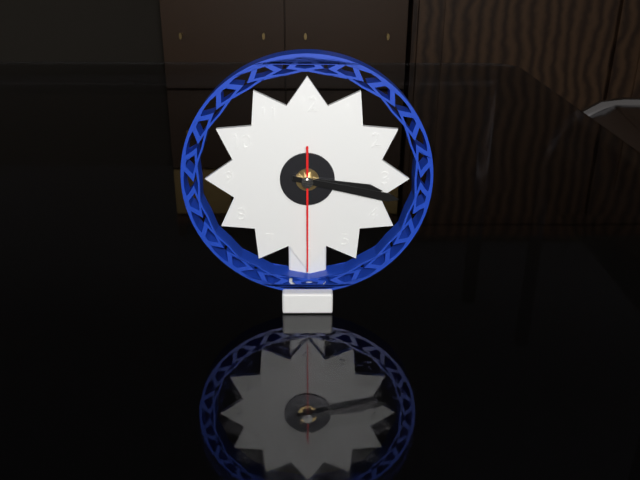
3.17.30
